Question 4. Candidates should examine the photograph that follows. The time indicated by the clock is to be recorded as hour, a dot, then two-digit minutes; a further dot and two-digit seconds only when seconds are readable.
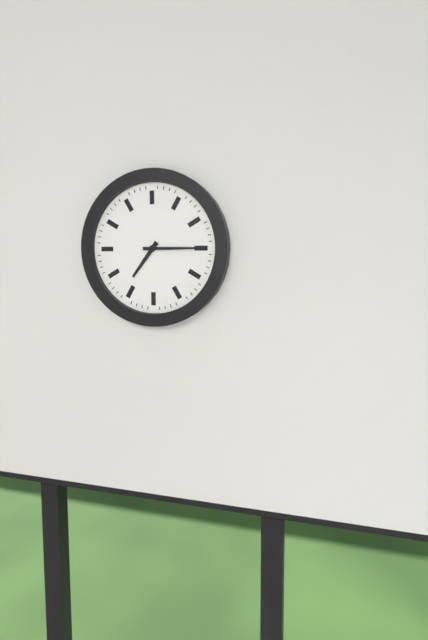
7.15
